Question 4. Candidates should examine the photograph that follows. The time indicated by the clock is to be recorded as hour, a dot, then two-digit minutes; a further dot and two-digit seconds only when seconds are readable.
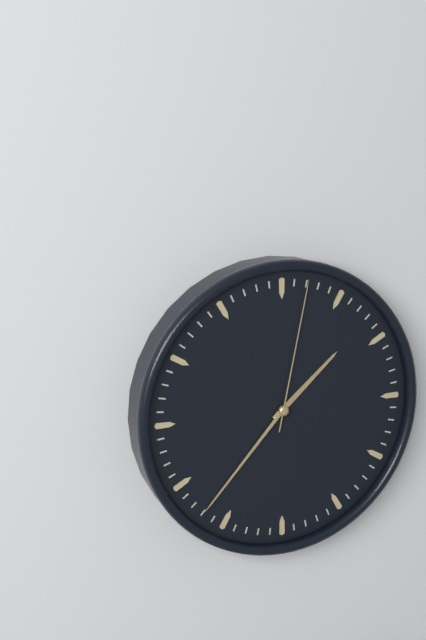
1.37.02
